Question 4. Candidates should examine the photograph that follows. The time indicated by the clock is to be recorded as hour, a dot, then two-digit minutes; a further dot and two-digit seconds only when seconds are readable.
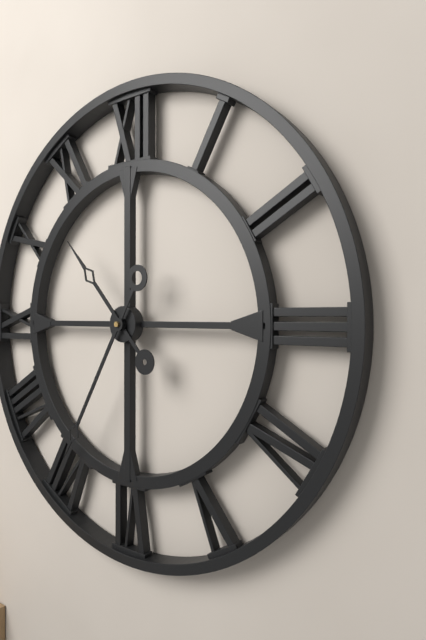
10.35
